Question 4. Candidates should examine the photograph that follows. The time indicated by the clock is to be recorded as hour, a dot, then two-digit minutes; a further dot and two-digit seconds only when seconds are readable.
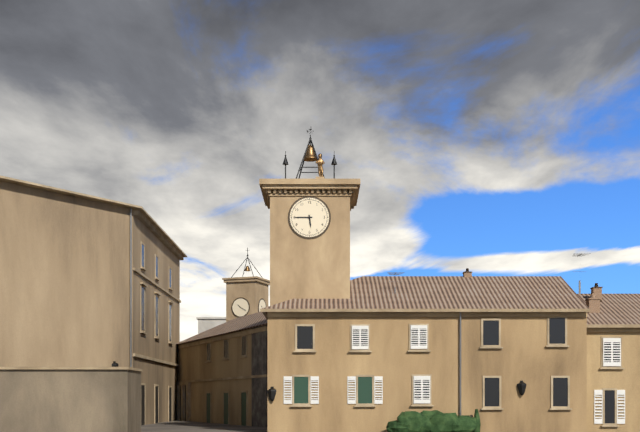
5.45
